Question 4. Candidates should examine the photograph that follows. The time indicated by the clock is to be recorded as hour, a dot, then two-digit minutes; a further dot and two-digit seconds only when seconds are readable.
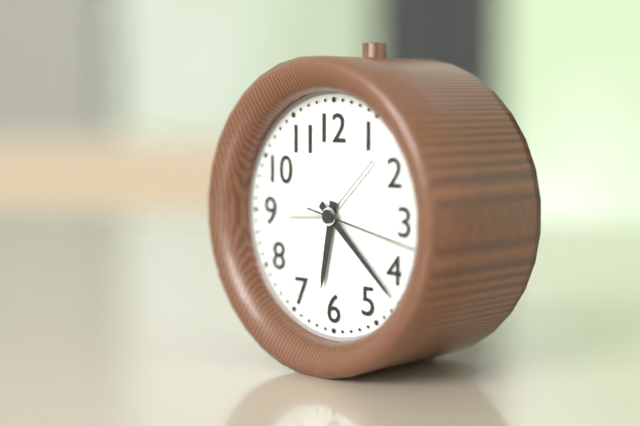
6.22.17
